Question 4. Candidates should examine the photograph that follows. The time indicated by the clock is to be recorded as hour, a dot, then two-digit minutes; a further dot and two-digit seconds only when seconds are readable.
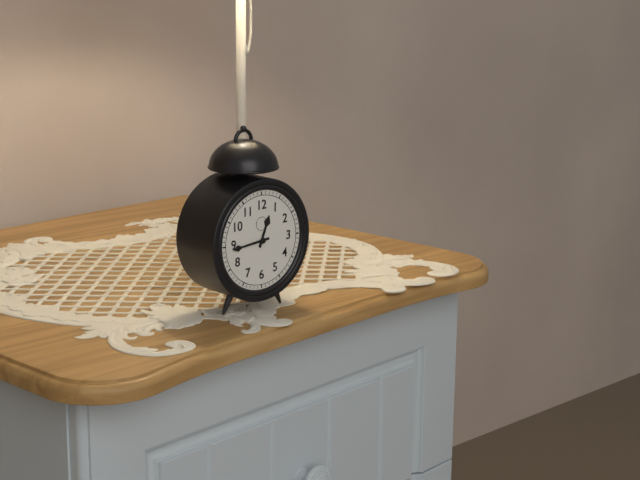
12.44
